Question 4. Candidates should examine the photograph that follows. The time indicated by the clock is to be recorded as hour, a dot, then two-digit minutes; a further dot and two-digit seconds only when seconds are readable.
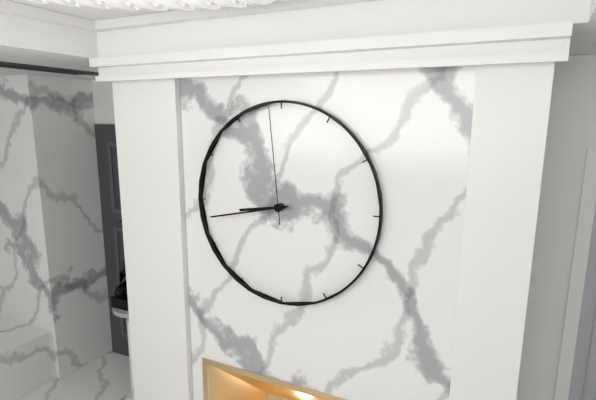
8.43.59
